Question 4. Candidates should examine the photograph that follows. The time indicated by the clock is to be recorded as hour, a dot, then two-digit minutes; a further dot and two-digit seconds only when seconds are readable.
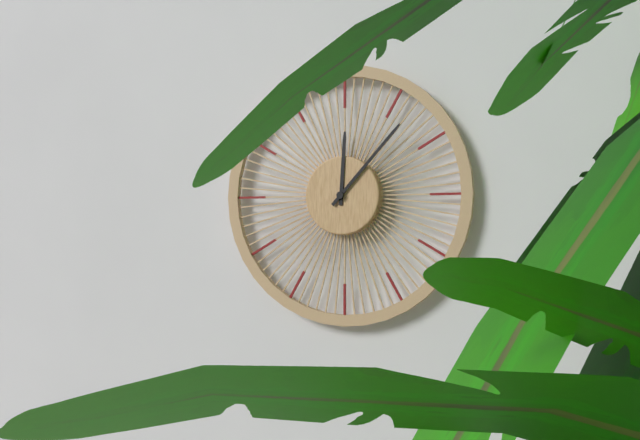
12.07
